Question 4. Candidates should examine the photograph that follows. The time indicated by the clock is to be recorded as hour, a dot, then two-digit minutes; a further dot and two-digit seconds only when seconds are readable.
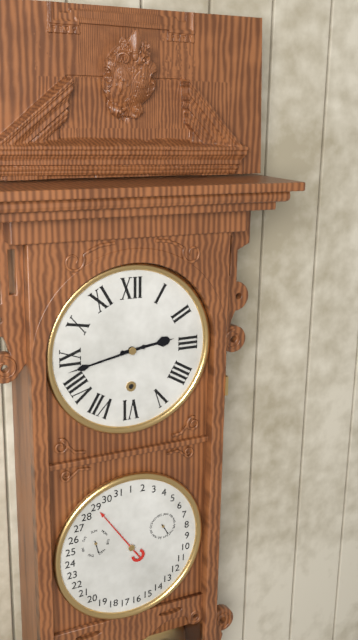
2.43
